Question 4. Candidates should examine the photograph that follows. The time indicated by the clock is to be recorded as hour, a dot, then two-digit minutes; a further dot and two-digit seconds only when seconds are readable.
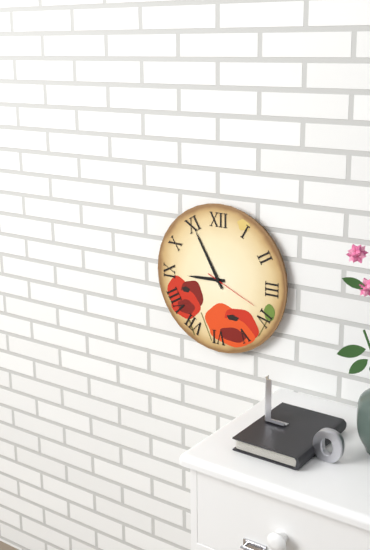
8.55.19
